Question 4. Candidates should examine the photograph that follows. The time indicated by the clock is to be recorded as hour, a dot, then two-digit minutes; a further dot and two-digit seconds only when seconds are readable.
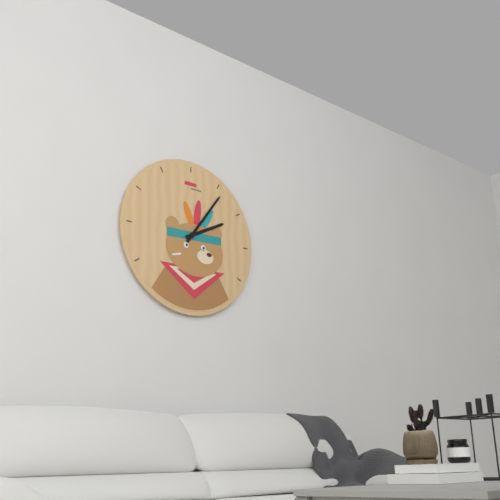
2.06
